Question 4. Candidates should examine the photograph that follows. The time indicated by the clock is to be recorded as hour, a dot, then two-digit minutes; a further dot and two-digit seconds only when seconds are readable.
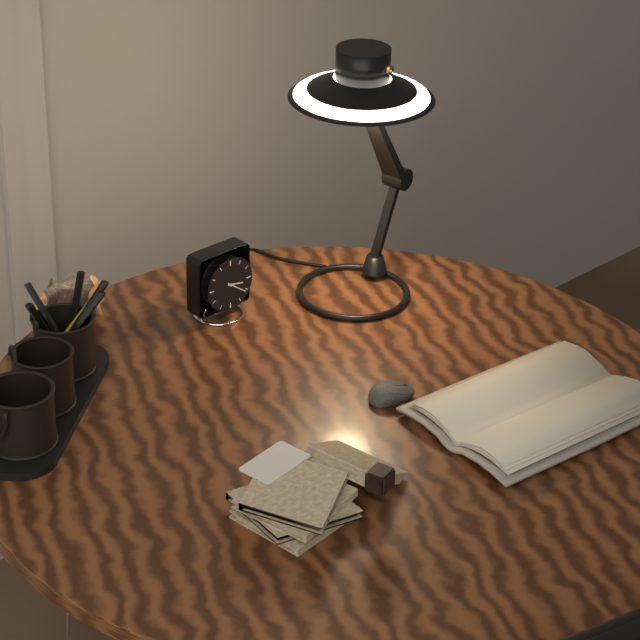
3.21
